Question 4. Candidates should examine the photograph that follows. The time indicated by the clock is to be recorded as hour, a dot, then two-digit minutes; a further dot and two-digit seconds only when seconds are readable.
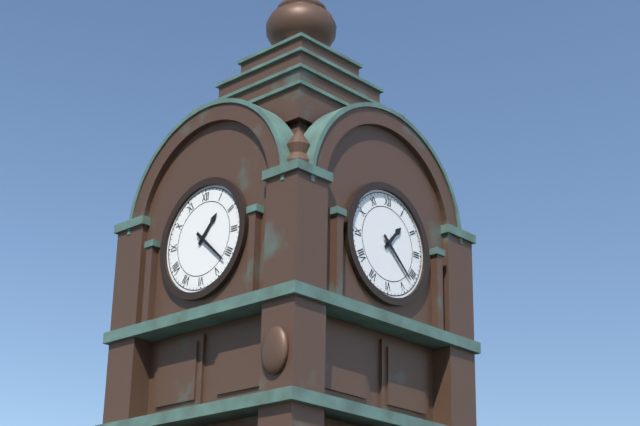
1.22
